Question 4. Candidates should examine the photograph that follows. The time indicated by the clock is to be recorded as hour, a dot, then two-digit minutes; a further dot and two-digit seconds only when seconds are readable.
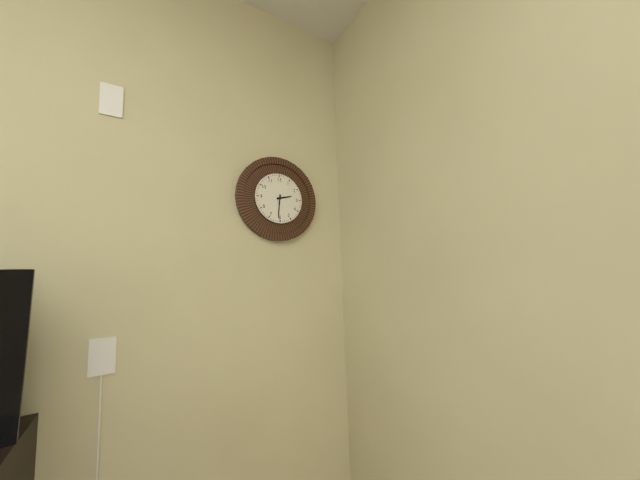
2.31
